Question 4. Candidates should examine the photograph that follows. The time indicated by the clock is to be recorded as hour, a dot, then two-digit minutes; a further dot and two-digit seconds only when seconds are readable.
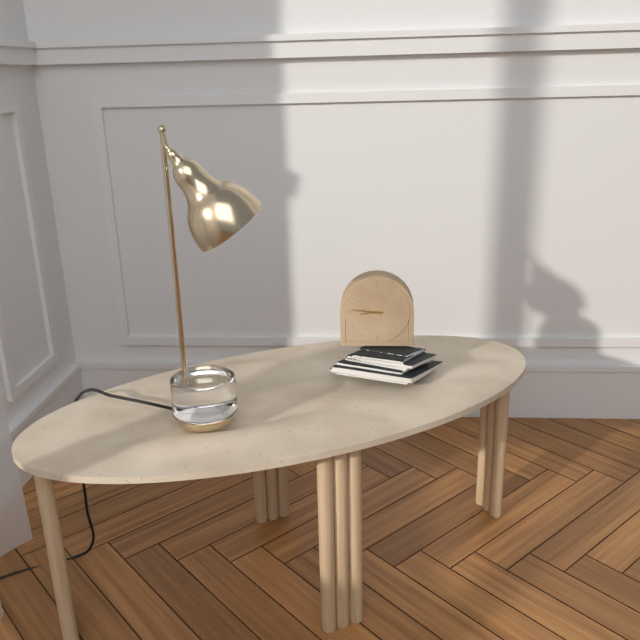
8.46
